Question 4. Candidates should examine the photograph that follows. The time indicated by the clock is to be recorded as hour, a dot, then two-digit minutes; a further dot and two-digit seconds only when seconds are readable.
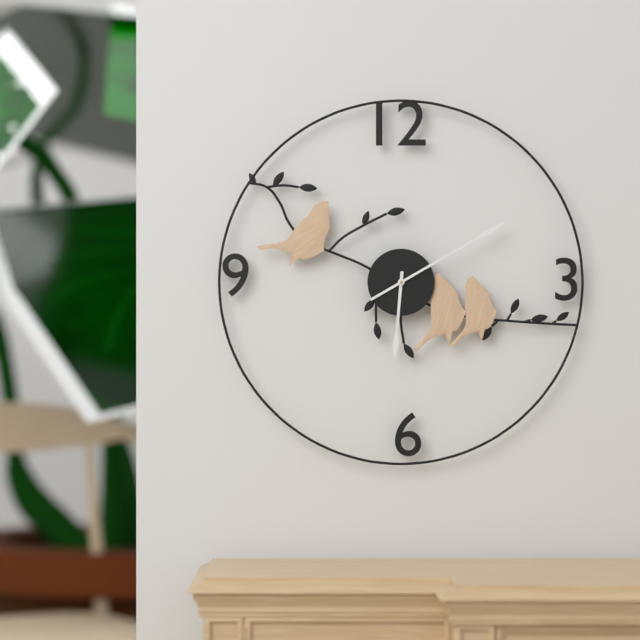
6.10
